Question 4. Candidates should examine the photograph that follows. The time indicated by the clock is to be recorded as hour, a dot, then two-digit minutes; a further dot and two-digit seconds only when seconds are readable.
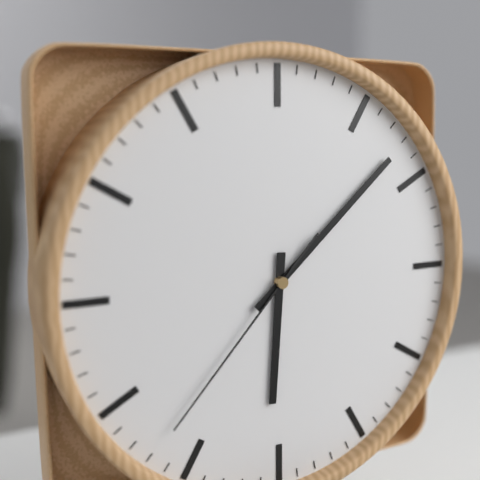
6.08.37
